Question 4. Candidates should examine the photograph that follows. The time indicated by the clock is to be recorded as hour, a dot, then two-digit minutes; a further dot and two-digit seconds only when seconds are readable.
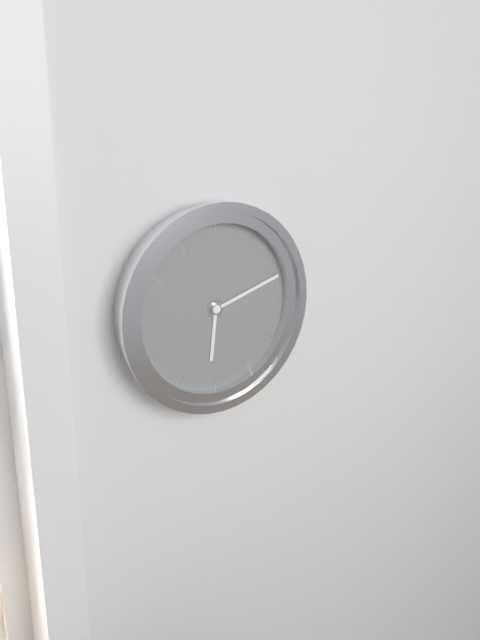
6.12
